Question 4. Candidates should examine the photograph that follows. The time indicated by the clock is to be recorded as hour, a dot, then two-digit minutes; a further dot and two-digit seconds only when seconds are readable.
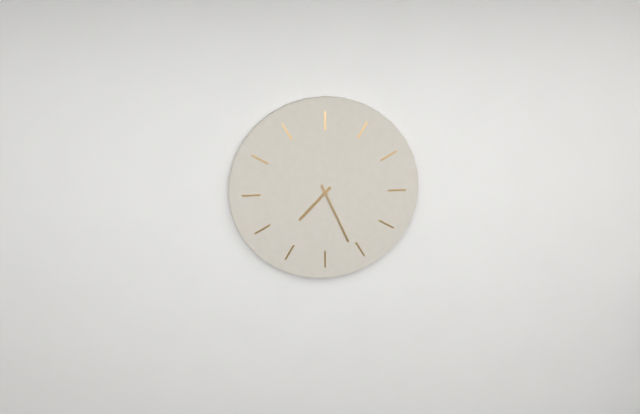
7.26
